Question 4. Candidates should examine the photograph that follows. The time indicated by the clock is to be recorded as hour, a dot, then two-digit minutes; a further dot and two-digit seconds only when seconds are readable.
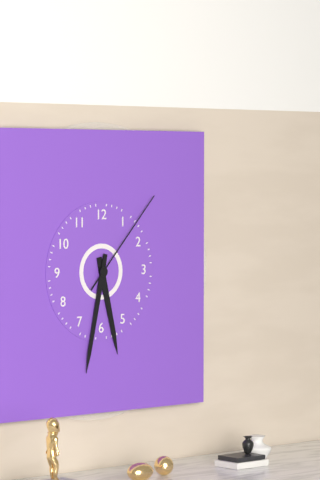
5.32.07
